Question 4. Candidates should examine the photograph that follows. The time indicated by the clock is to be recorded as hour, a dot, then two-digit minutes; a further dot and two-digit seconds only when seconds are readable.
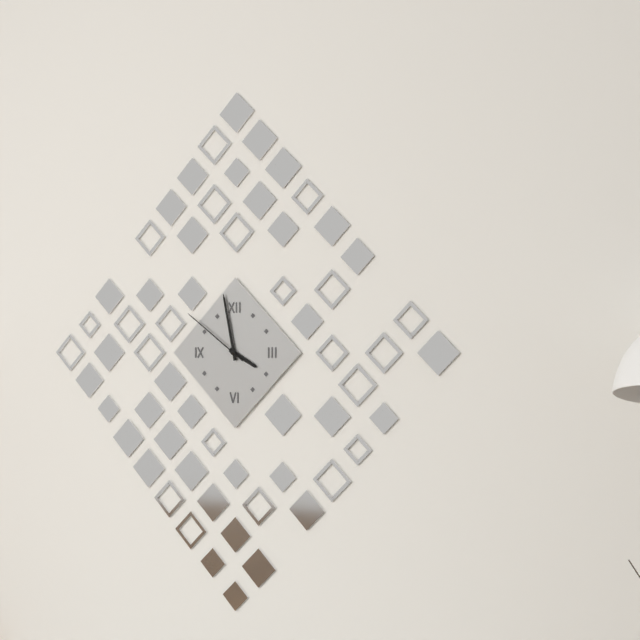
3.58.51
